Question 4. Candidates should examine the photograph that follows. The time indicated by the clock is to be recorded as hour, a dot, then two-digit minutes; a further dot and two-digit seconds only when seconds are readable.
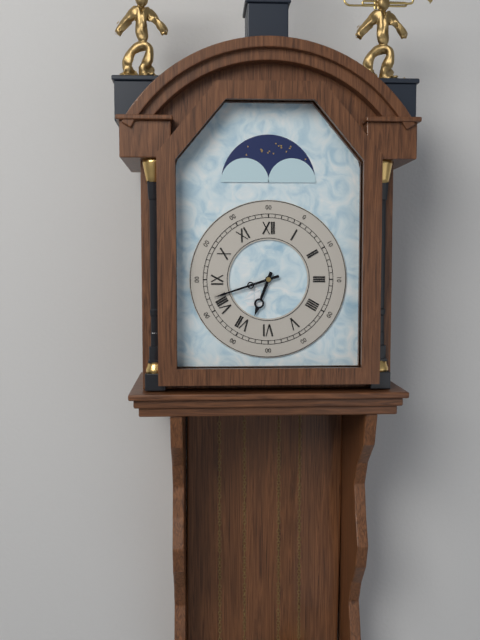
6.42
